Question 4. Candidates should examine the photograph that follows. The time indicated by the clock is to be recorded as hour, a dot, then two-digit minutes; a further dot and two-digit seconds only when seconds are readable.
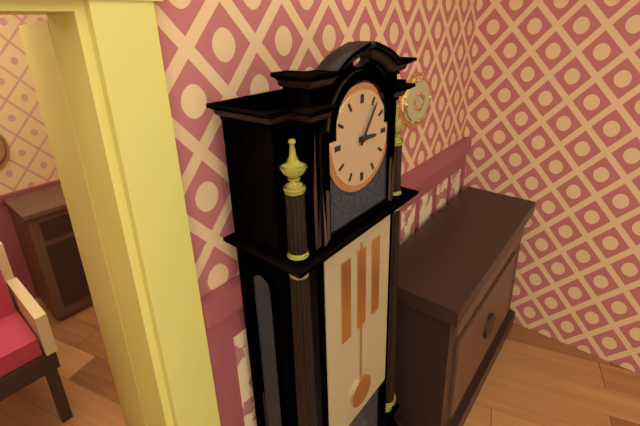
3.06
